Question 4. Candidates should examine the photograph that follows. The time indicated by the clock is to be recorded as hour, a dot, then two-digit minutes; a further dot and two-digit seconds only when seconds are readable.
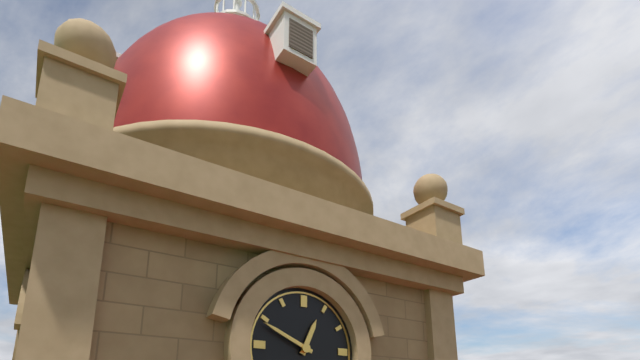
12.49
